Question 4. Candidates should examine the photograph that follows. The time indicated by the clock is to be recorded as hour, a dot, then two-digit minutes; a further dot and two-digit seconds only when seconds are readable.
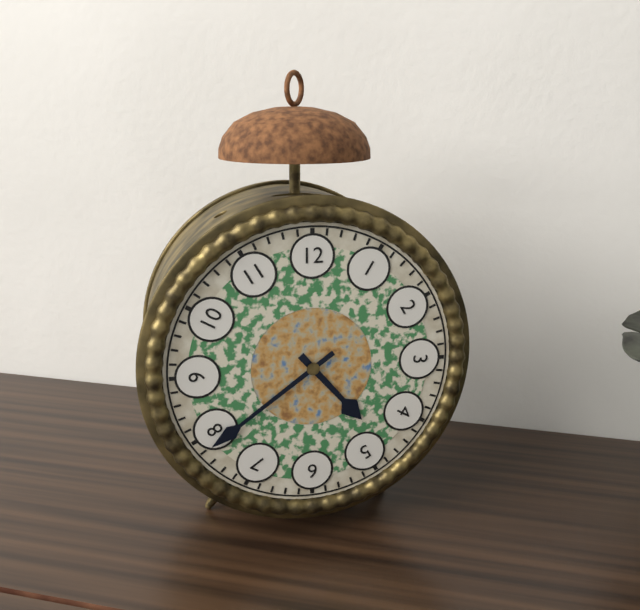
4.39
